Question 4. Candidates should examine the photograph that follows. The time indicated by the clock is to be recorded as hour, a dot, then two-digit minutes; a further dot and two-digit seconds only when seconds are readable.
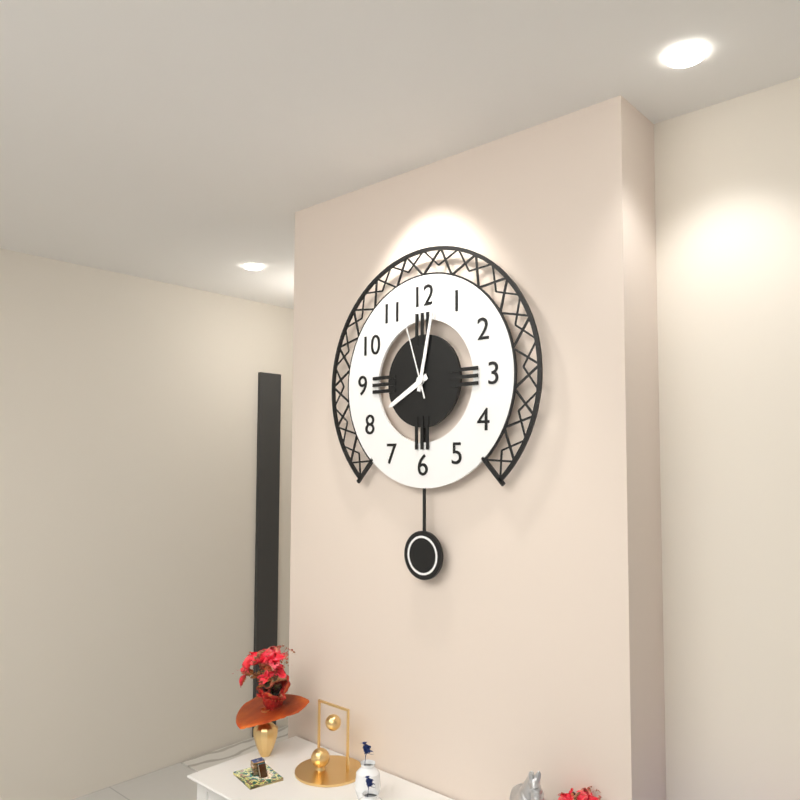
8.02.57
